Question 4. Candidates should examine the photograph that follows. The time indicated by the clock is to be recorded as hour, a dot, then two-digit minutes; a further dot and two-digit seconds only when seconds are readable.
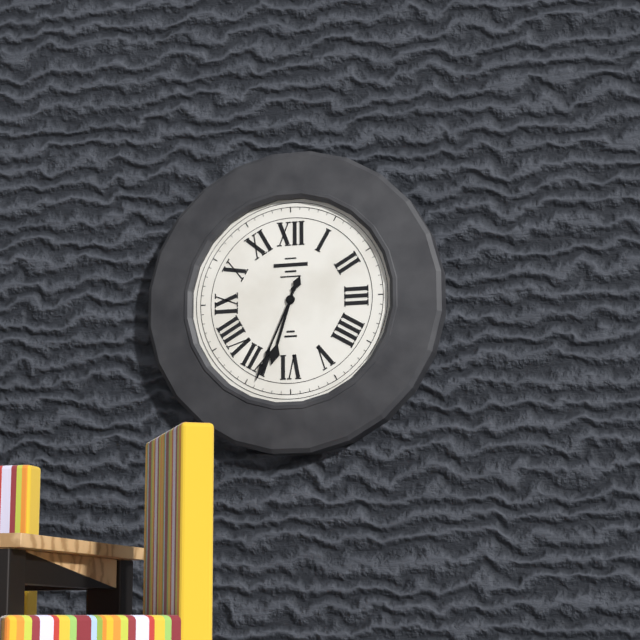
6.34
